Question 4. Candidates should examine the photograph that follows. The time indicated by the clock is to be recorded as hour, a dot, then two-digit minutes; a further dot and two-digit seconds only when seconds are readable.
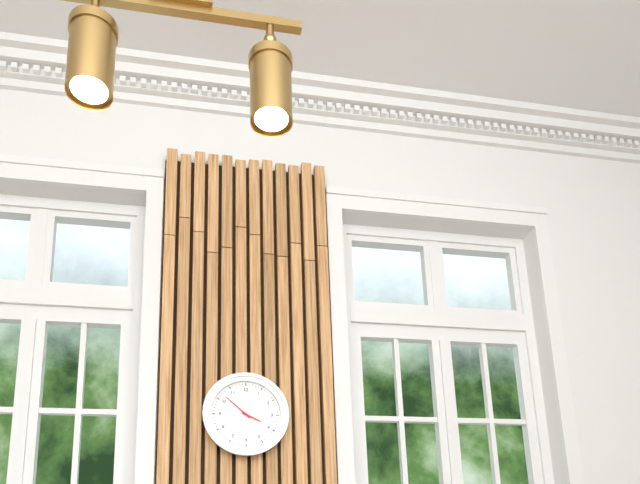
3.52
